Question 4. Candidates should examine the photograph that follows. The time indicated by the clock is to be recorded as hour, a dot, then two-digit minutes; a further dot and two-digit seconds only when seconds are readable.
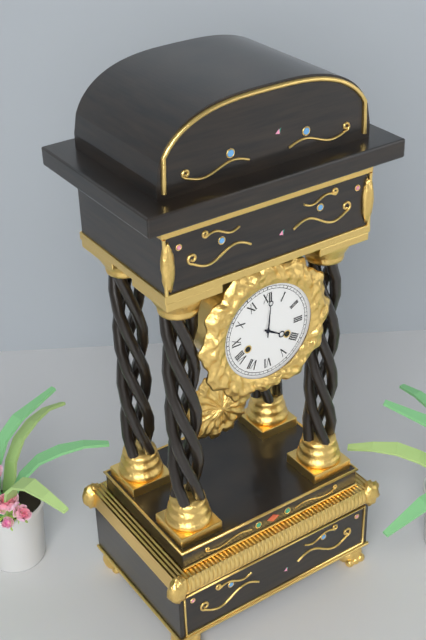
4.01
